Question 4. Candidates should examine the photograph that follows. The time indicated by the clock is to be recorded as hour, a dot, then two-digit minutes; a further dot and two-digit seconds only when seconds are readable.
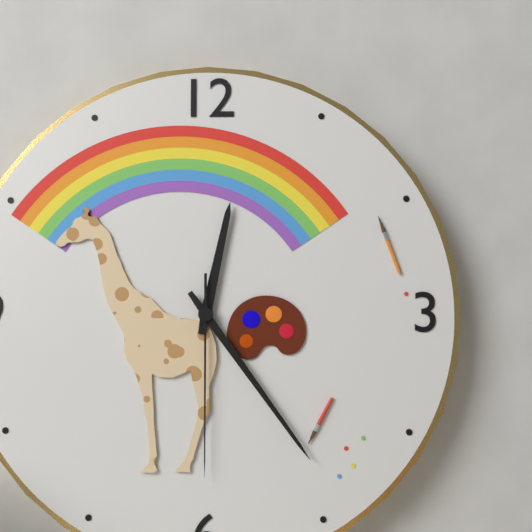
12.24.30
